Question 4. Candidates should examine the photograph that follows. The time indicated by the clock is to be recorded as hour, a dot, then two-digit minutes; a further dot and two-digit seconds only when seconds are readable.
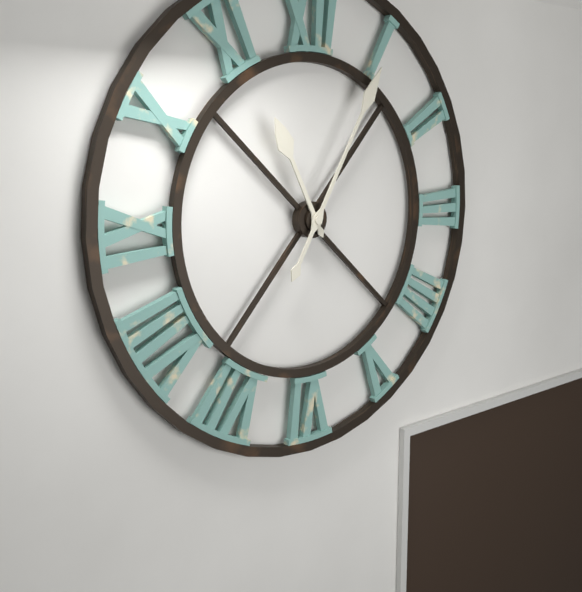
11.05
